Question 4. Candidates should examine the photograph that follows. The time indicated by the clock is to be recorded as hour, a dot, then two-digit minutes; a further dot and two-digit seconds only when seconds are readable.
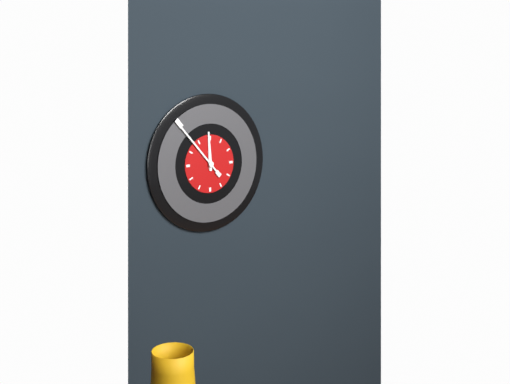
11.53
